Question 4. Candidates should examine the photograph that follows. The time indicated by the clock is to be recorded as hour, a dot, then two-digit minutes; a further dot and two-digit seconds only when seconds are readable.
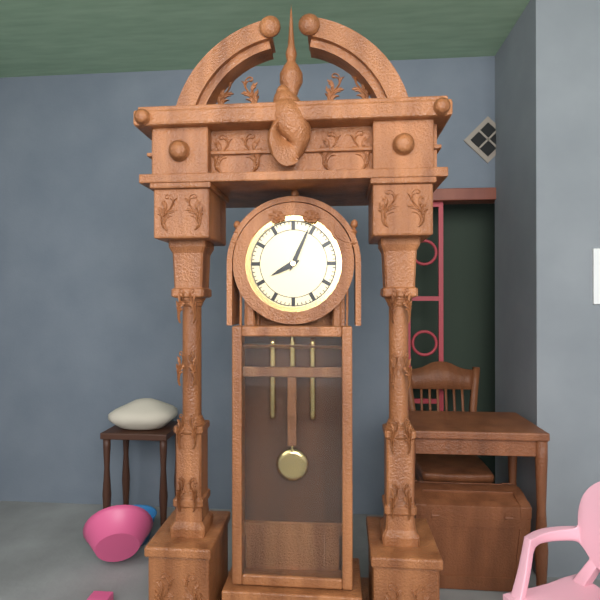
8.04
